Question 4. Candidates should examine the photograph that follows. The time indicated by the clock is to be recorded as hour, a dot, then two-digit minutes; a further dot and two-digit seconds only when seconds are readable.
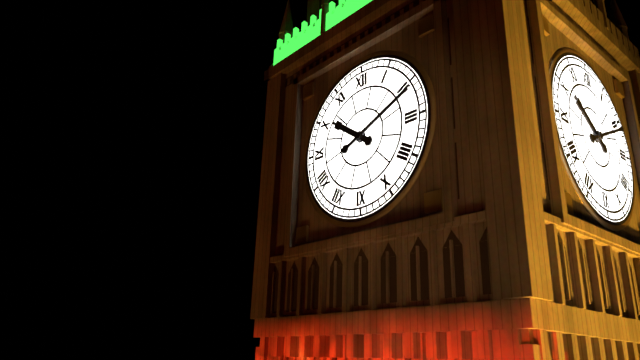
10.11
